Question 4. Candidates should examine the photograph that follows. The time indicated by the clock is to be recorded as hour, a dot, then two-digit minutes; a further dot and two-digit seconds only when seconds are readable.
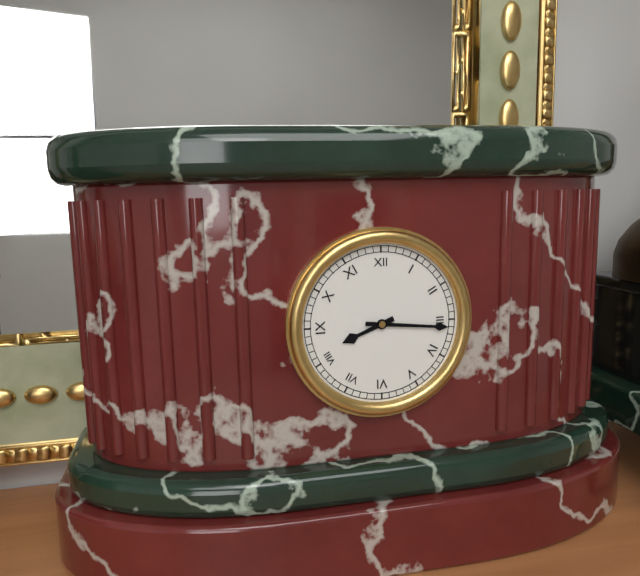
8.16
